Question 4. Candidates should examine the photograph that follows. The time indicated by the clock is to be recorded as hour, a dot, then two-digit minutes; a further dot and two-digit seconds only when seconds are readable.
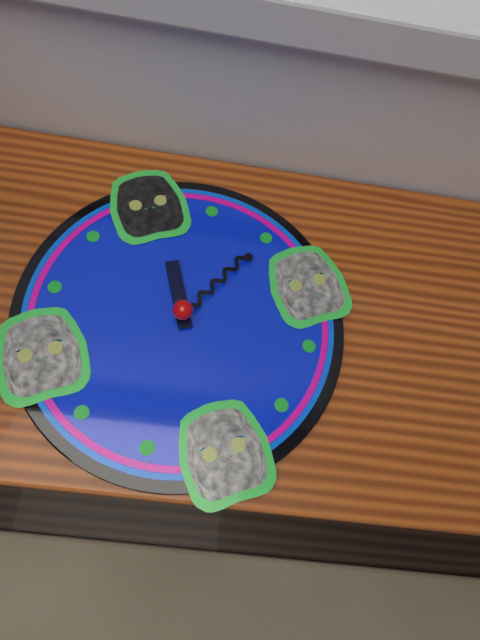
12.10
